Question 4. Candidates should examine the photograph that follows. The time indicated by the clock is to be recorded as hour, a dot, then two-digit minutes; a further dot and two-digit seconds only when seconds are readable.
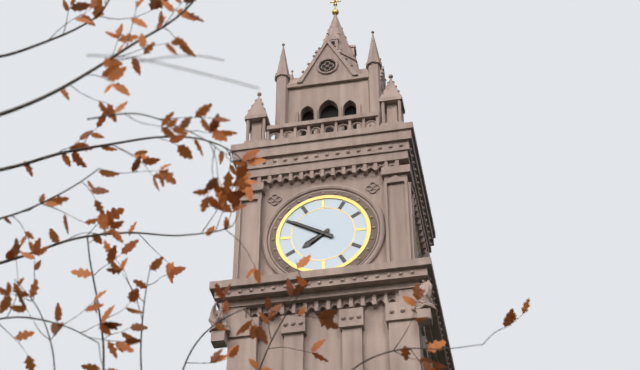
7.50
